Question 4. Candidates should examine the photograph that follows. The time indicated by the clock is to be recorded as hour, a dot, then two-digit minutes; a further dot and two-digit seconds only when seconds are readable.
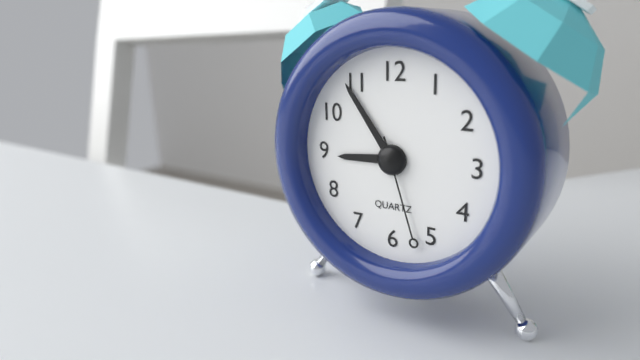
8.54.27
